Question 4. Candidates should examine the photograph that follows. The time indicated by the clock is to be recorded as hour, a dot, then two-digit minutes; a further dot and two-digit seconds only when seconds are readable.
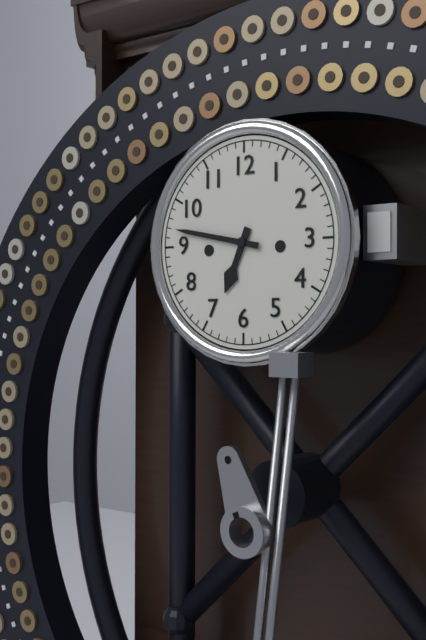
6.47
